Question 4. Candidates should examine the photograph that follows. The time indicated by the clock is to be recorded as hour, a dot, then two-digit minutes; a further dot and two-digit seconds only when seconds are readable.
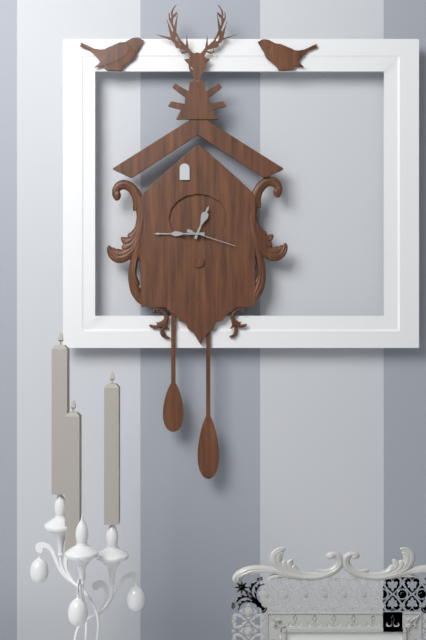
12.45.18
